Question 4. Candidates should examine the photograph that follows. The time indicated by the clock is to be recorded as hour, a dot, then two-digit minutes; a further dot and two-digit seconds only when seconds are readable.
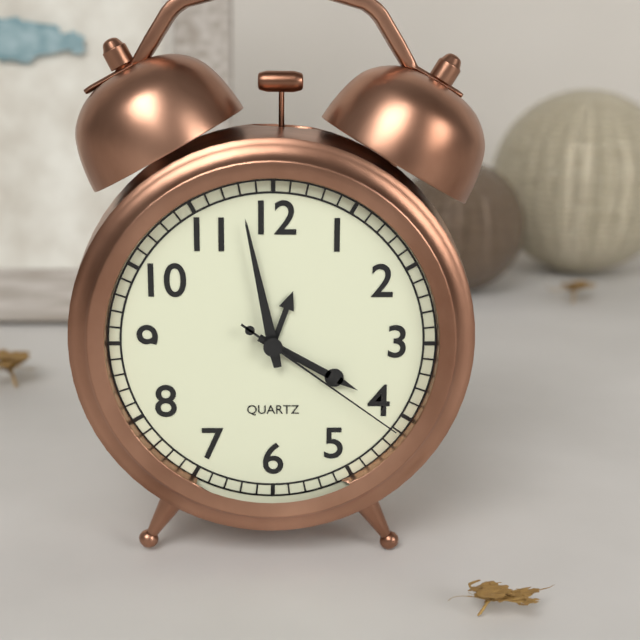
3.58.21
